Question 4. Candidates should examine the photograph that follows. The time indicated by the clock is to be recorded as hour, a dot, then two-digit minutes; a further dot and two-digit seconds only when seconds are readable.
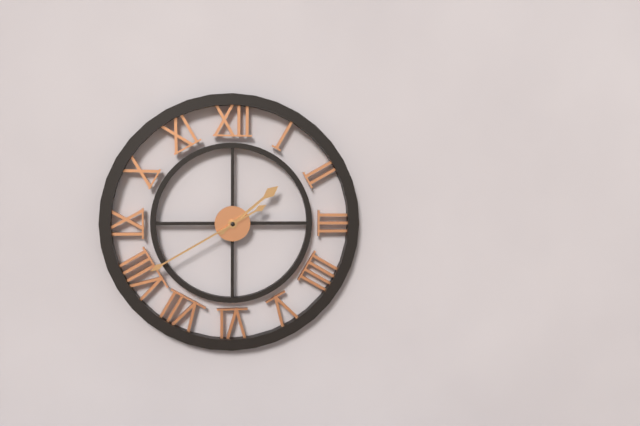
1.40
